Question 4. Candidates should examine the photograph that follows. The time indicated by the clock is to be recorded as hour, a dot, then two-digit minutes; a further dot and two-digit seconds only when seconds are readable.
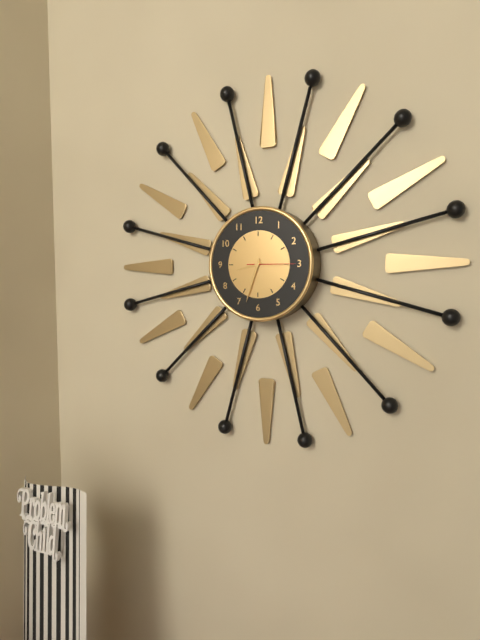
8.33.15
